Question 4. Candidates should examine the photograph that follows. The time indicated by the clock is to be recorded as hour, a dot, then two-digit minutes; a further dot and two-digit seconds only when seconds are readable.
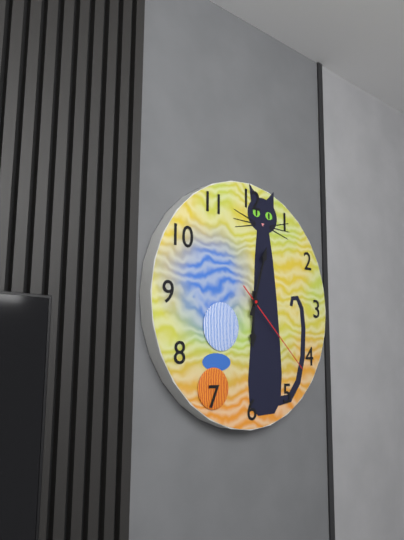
6.03.22
